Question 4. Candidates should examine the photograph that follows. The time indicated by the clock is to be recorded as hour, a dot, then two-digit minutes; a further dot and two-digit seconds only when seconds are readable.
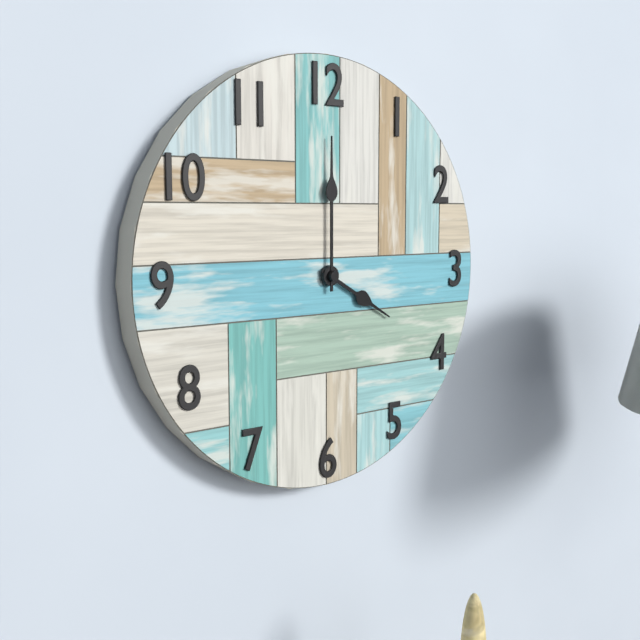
4.00
